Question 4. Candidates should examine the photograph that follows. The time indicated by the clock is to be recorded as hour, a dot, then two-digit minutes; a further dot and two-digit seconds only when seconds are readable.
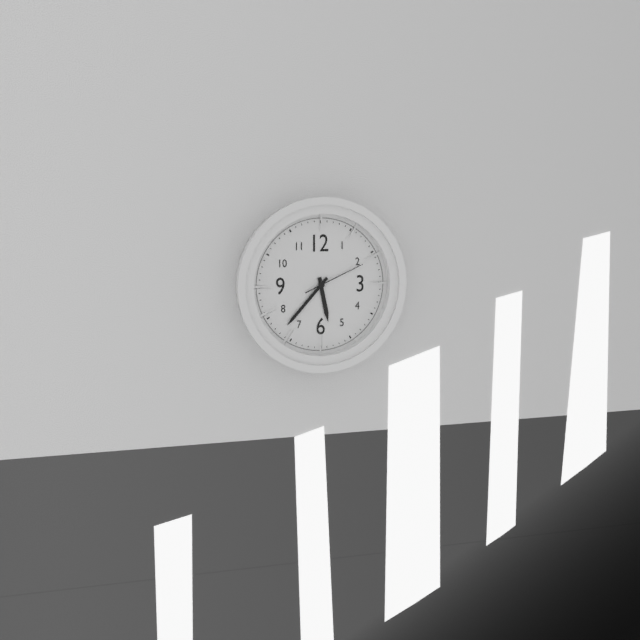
5.37.11
